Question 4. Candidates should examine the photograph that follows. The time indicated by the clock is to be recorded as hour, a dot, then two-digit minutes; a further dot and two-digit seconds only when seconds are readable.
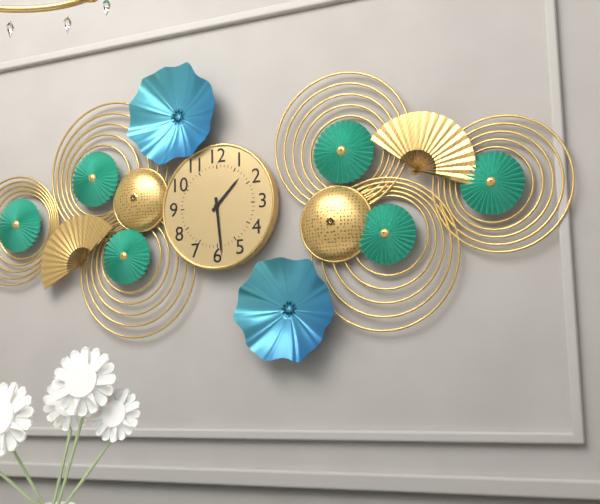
1.29
